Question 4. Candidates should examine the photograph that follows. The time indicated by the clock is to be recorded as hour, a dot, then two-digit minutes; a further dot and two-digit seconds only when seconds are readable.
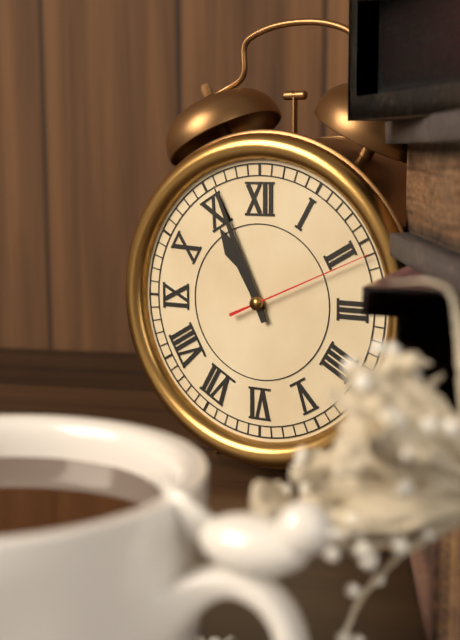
10.56.11
